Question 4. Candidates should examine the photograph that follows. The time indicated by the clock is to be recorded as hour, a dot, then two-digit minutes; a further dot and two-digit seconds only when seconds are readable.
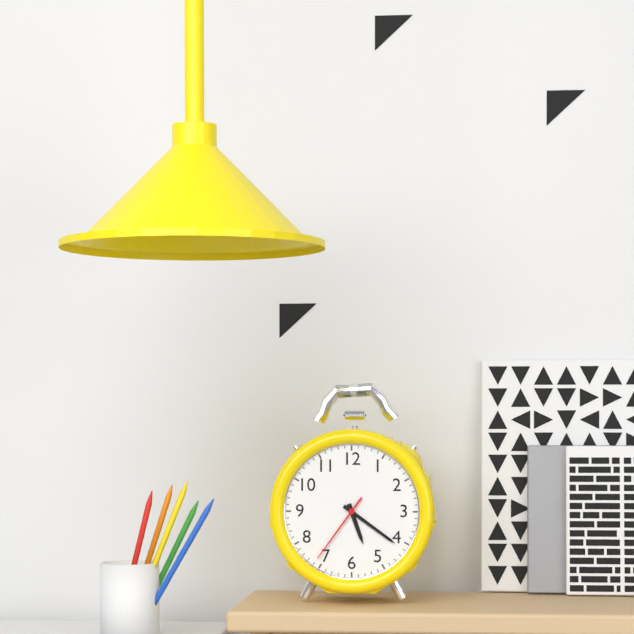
5.21.36
